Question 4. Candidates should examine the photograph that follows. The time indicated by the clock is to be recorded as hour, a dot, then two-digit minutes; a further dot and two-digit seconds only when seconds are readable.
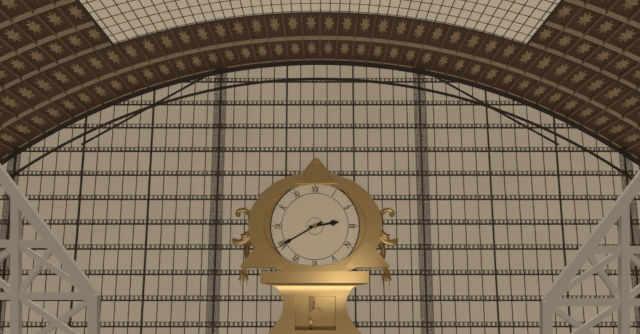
2.40
